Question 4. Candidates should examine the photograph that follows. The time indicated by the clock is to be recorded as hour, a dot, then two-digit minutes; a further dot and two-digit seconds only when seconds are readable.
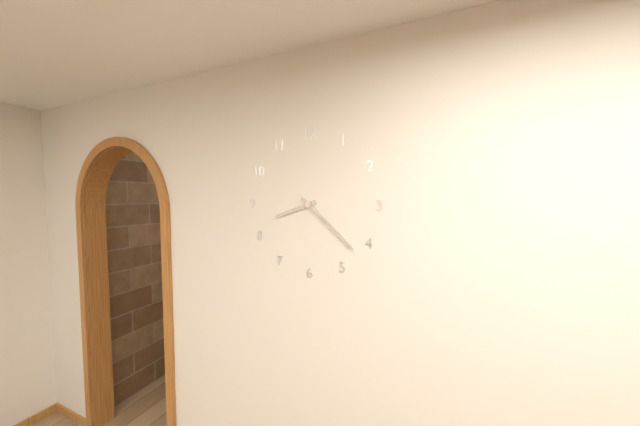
8.22
